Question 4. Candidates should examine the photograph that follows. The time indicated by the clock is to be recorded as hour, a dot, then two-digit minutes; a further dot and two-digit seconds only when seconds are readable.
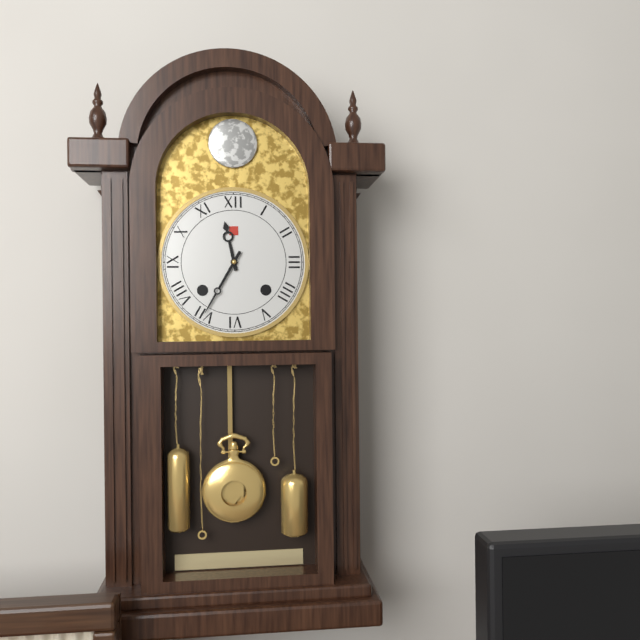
11.35
